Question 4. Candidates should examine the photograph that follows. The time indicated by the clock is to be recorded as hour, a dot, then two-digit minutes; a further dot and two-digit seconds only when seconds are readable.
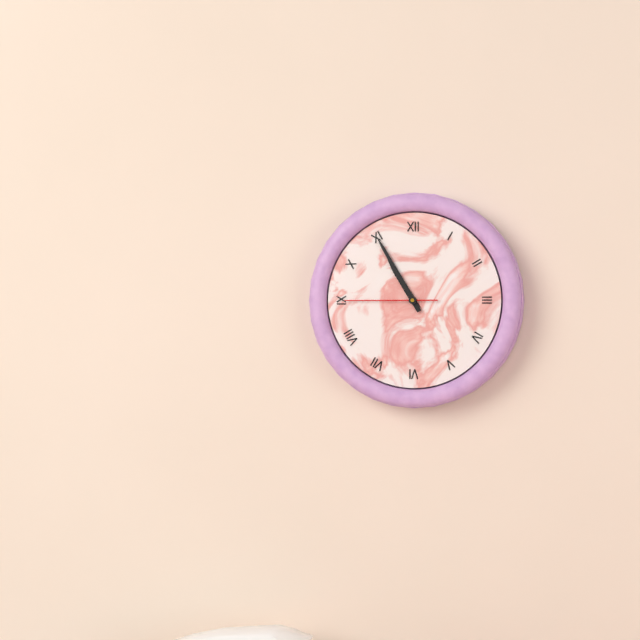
10.55.45
